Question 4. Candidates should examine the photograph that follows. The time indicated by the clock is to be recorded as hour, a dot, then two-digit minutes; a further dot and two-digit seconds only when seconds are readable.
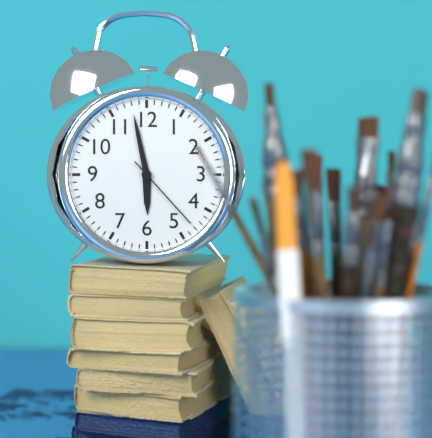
5.58.23
